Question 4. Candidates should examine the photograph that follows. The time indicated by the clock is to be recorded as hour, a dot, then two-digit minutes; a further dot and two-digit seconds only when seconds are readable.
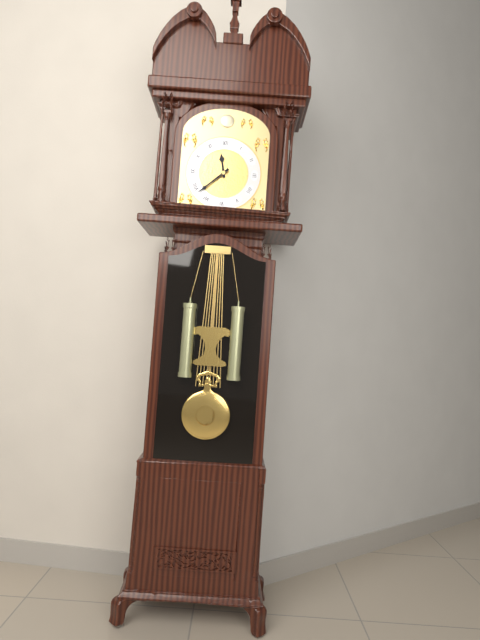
11.38
